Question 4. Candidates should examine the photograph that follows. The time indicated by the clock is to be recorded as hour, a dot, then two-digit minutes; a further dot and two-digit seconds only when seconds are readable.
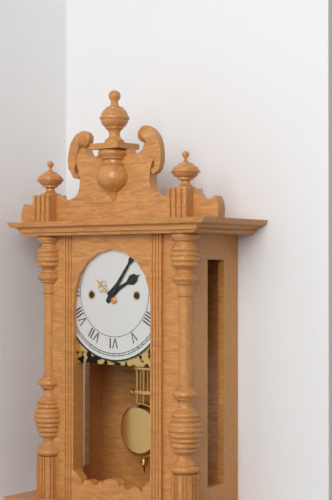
2.06
